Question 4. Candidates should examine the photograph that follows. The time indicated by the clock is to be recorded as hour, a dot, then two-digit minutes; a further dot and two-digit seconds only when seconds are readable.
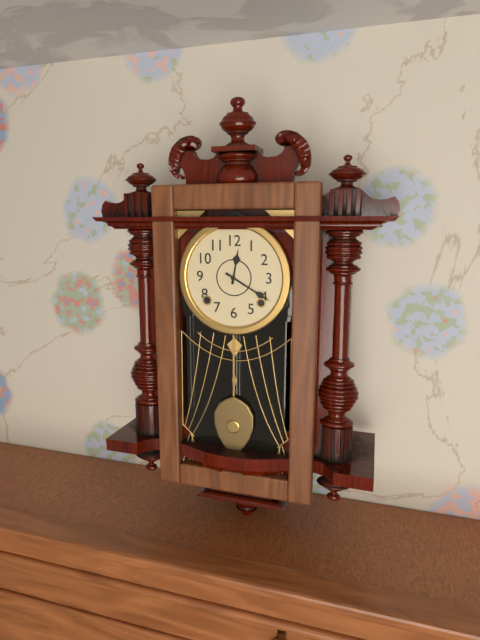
12.20
